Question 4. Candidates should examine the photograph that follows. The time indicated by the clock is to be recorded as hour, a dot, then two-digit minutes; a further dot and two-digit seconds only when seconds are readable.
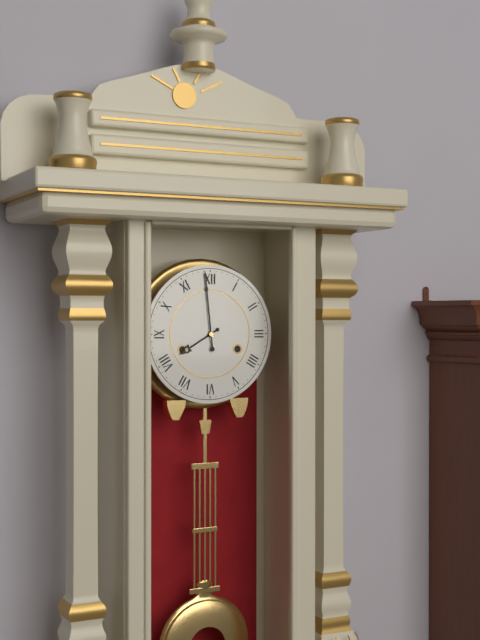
7.59
